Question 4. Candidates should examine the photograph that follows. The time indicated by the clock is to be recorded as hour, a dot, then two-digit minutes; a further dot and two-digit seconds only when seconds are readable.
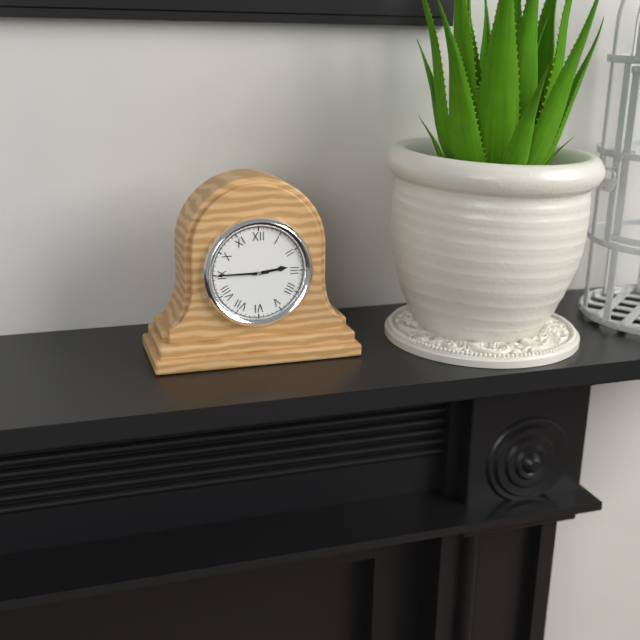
2.45
